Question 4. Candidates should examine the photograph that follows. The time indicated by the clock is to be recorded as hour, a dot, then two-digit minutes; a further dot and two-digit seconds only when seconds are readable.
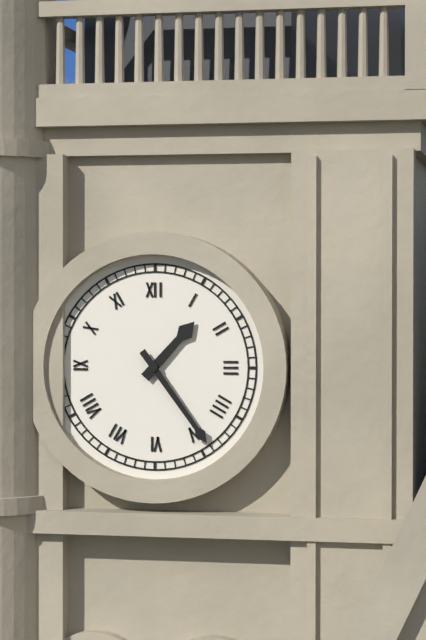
1.24
